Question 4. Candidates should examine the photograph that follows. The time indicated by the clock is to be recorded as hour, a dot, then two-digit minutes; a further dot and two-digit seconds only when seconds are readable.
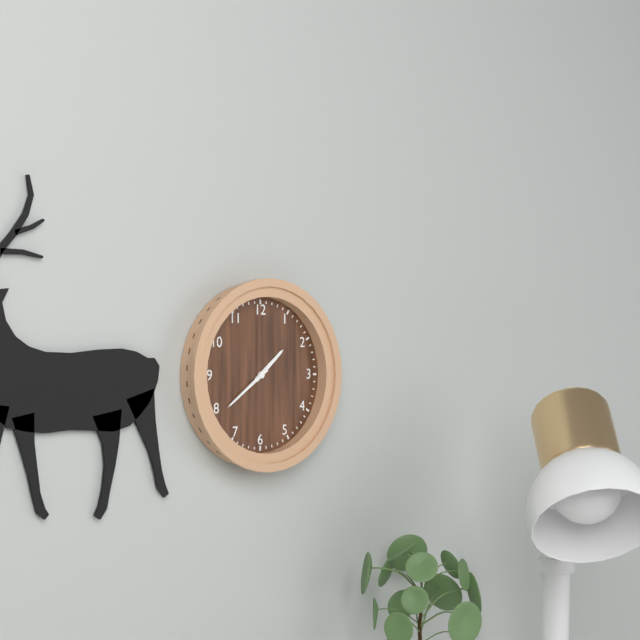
1.39
